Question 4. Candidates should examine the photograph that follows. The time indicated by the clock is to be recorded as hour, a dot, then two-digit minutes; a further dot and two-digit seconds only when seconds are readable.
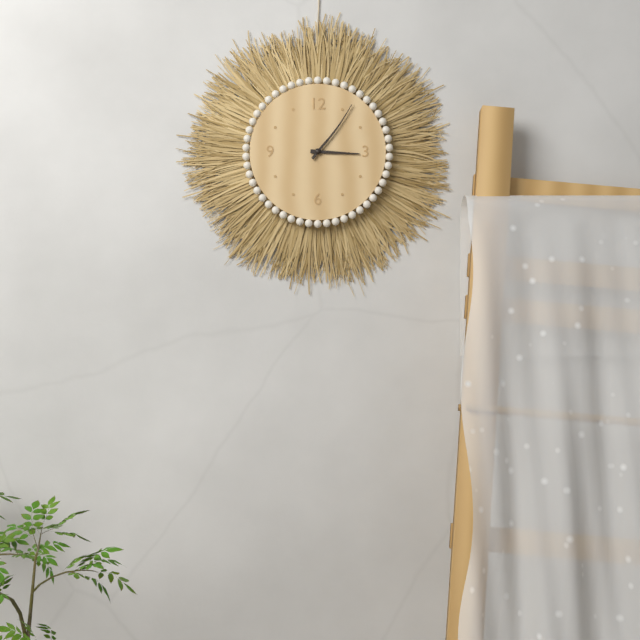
3.06
